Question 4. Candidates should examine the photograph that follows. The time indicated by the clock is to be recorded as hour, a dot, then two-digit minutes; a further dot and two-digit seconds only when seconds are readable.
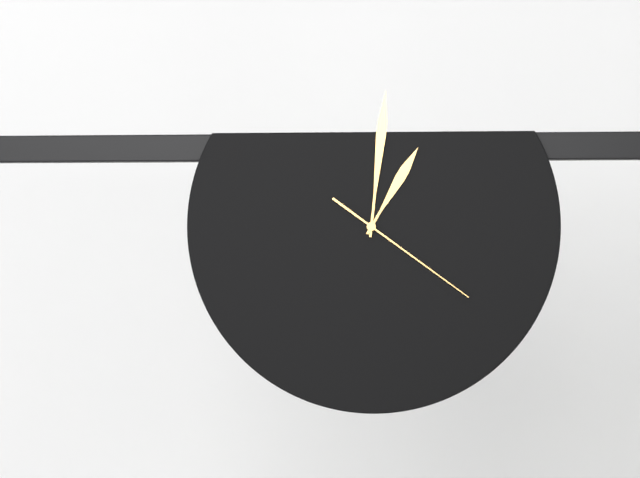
1.01.21
